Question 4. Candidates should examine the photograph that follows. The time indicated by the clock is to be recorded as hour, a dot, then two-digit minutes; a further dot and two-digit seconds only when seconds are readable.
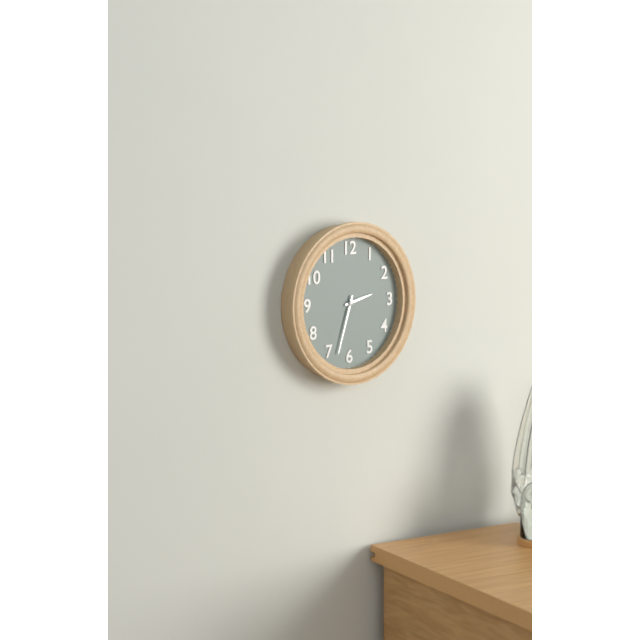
2.33
